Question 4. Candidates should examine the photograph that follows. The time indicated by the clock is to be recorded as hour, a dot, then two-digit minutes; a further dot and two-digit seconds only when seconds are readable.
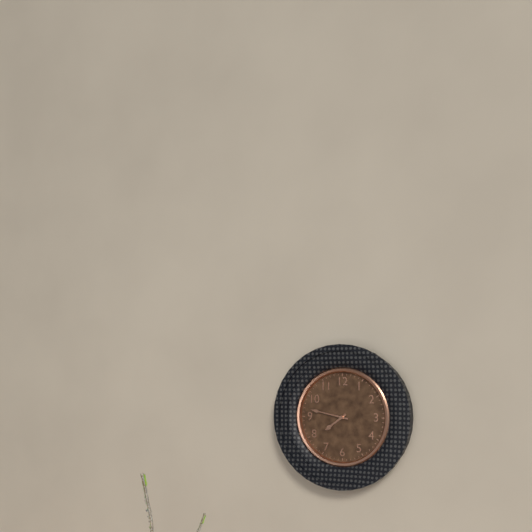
7.47
